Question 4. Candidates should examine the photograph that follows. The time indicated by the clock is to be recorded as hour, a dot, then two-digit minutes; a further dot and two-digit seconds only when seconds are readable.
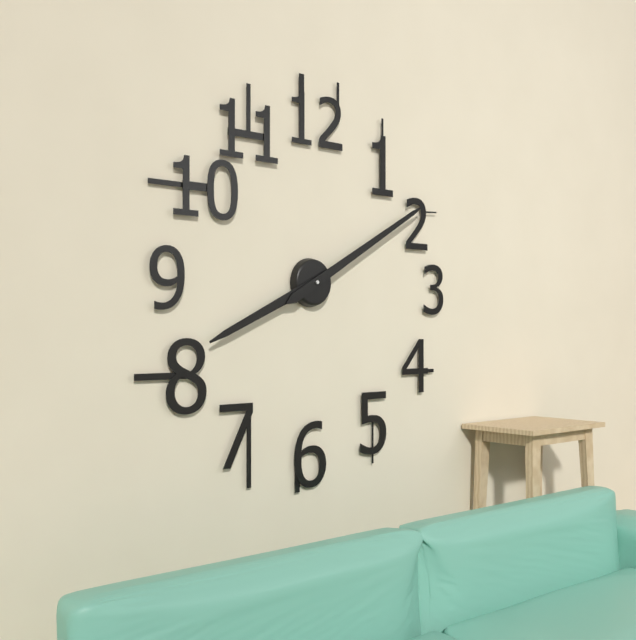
8.10
